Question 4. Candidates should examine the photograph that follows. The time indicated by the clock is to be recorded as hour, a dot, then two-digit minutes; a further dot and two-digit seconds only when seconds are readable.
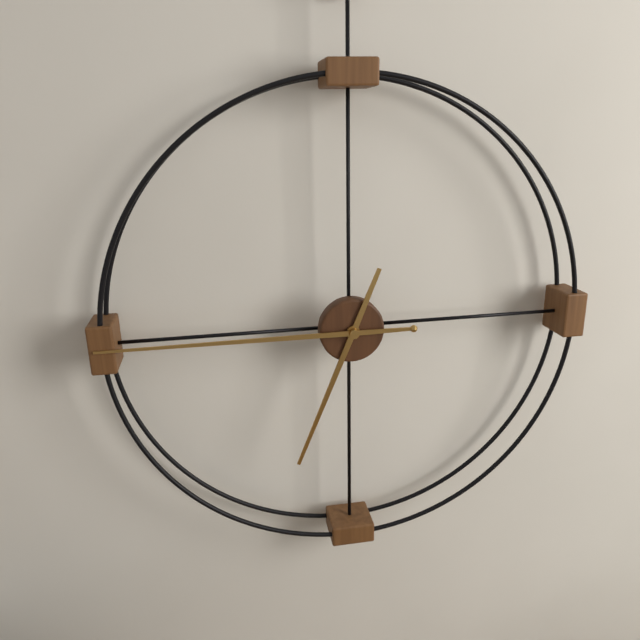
6.45
